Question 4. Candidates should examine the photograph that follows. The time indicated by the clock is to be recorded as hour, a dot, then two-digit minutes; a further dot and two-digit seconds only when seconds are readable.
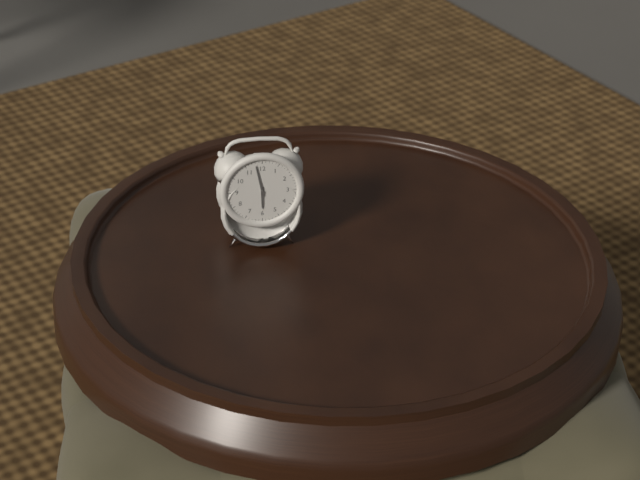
5.58
